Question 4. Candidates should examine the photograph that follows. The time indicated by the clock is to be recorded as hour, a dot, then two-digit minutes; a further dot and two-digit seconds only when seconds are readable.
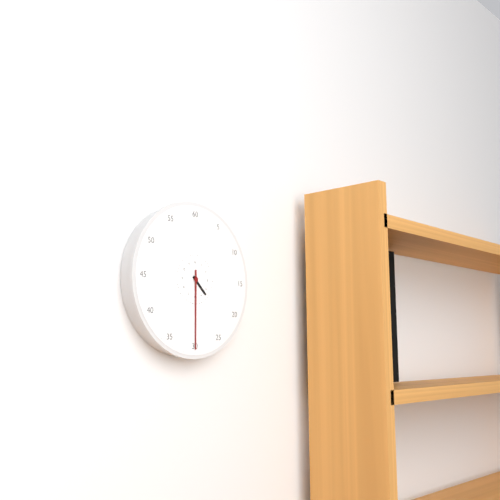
4.30
